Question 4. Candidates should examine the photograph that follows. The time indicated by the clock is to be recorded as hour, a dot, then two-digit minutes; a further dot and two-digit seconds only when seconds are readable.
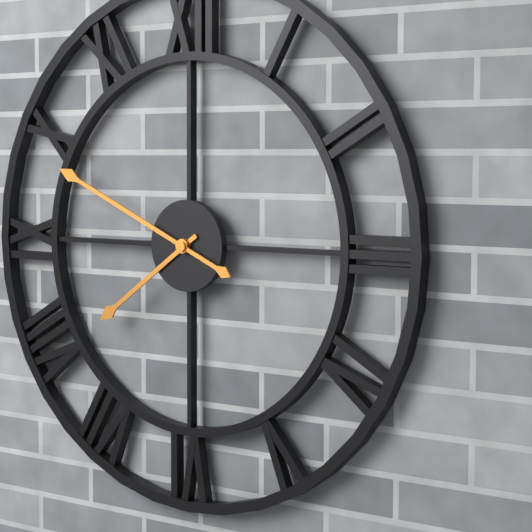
7.49
